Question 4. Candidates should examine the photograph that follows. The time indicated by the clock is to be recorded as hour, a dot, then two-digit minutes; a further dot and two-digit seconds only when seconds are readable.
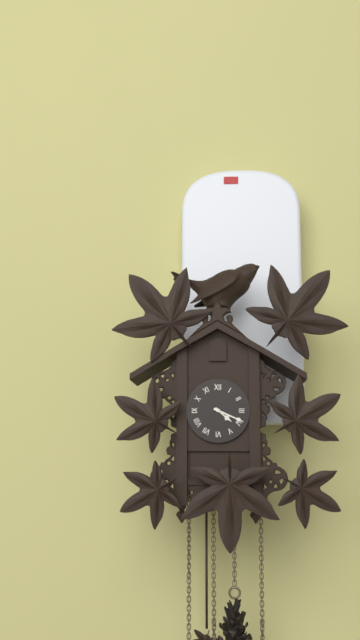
4.19
